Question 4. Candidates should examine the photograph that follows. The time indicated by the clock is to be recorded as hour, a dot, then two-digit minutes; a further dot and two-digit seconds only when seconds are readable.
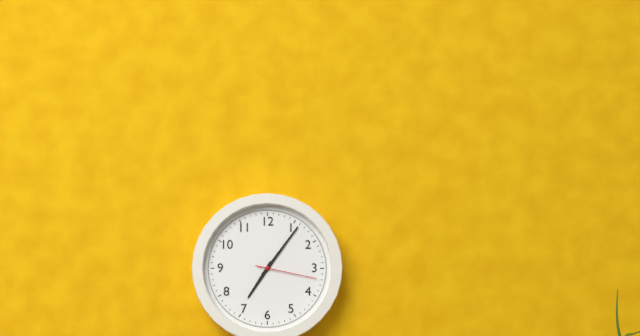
7.06.17
